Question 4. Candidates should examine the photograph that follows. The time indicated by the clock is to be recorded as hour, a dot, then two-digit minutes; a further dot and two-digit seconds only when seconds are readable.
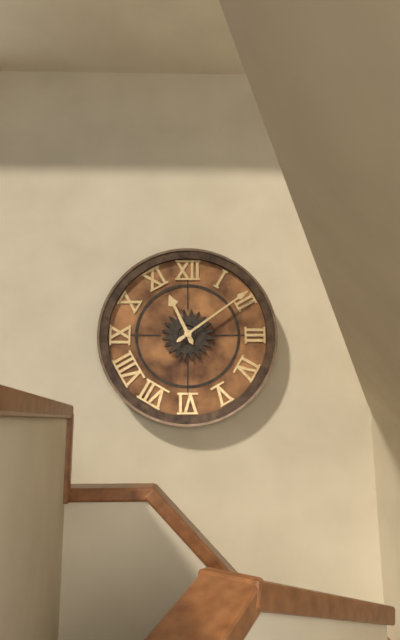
11.09
